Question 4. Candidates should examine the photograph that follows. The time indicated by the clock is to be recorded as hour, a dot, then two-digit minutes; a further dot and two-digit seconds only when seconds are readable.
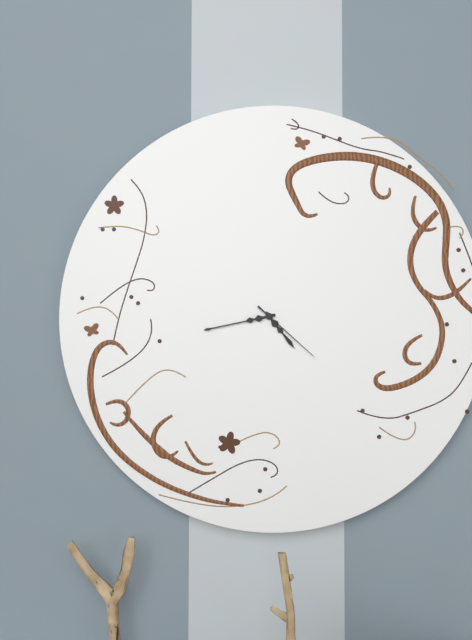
4.43.22
